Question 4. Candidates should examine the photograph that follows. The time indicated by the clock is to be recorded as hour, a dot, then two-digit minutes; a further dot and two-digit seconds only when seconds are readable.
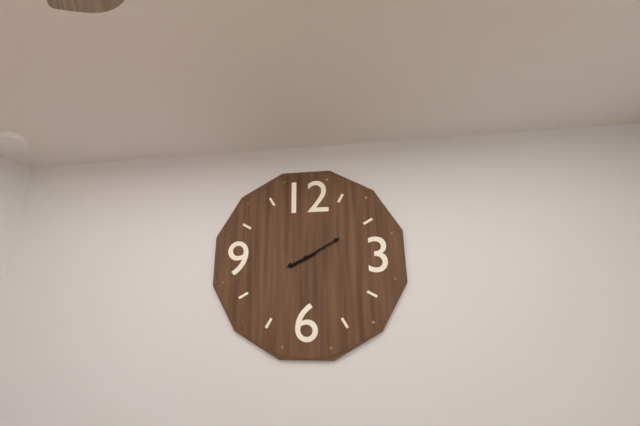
8.10
